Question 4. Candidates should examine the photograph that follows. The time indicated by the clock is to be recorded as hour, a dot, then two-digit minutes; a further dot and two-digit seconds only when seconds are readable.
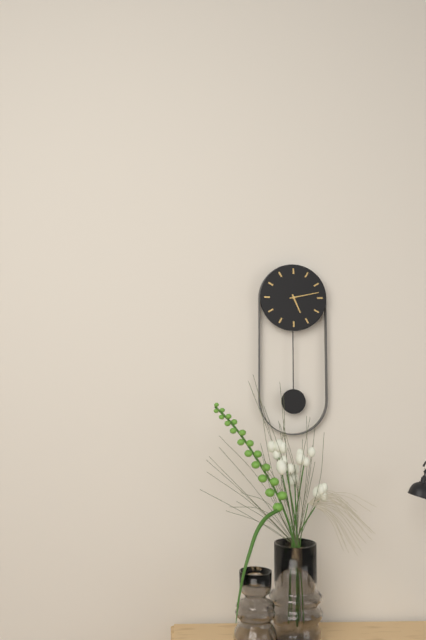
5.13
